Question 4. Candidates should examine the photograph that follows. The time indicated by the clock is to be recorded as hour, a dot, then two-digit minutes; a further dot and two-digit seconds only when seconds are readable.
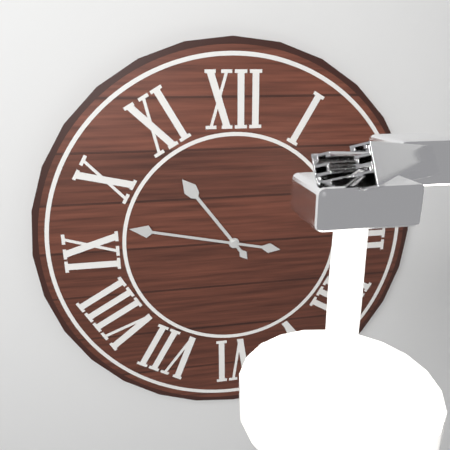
10.47
